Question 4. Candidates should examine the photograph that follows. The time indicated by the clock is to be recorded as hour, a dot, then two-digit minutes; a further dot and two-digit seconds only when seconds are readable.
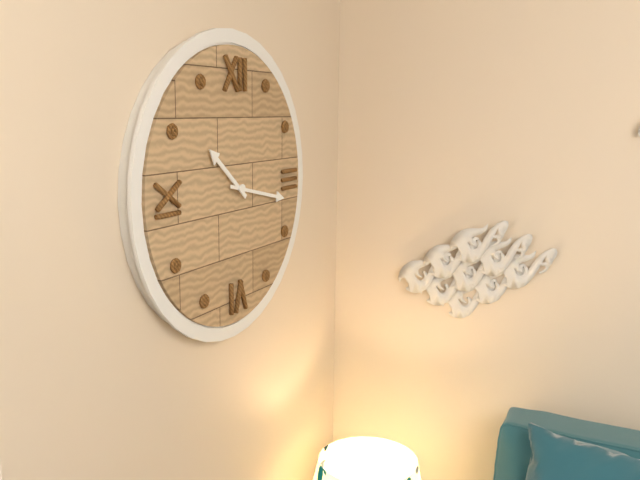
10.17
